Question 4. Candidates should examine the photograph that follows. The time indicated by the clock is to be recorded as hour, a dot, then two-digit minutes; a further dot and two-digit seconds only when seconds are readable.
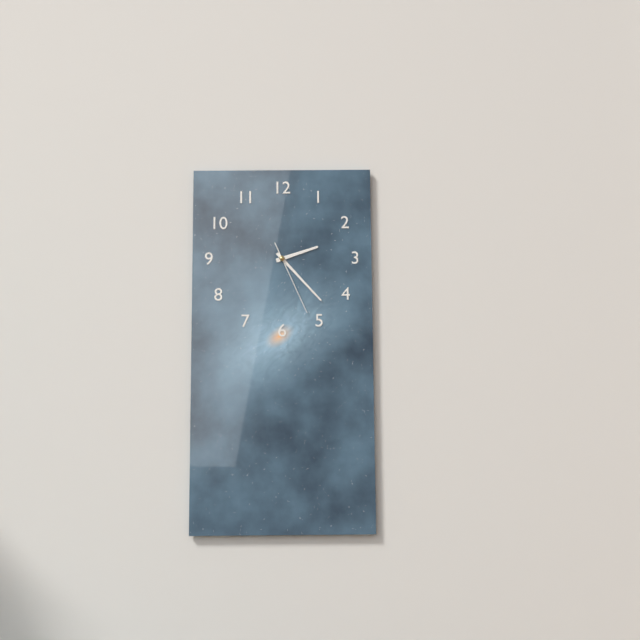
2.23.26
